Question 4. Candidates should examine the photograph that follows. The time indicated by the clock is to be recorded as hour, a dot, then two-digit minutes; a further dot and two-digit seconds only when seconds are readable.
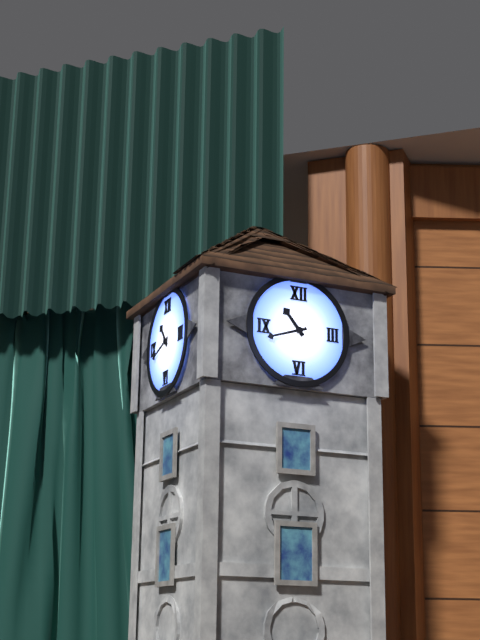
10.42
